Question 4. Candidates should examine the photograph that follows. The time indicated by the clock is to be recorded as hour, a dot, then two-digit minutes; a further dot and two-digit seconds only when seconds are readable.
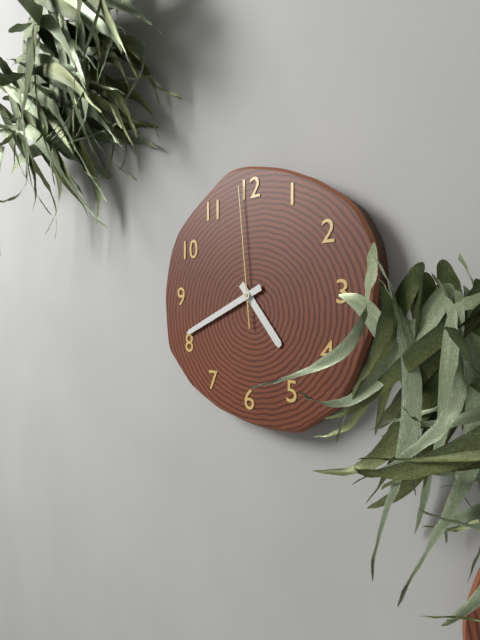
4.41.59
